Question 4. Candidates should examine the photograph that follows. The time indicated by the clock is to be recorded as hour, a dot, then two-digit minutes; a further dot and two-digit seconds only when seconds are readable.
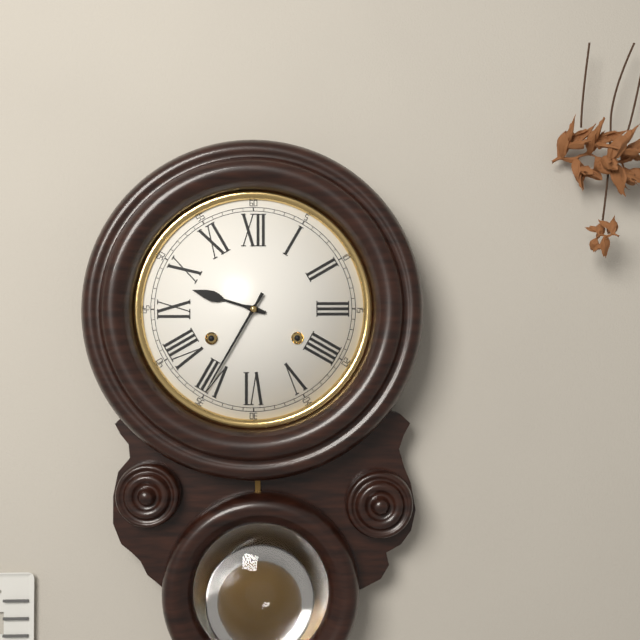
9.35
